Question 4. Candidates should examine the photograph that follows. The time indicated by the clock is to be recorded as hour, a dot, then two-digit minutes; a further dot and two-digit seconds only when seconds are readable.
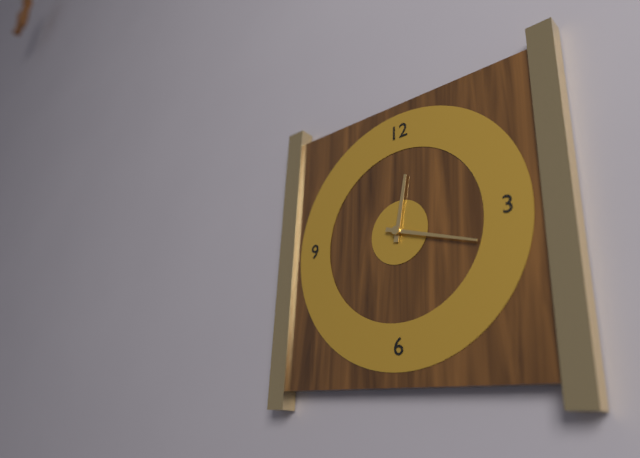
12.18
